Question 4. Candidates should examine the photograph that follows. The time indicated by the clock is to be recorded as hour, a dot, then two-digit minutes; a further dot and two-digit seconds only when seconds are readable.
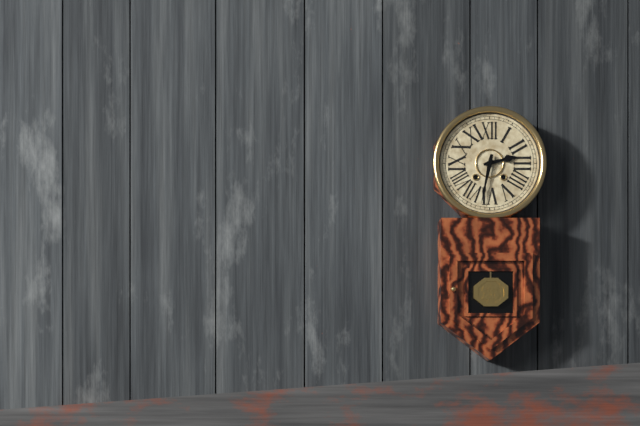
2.32
